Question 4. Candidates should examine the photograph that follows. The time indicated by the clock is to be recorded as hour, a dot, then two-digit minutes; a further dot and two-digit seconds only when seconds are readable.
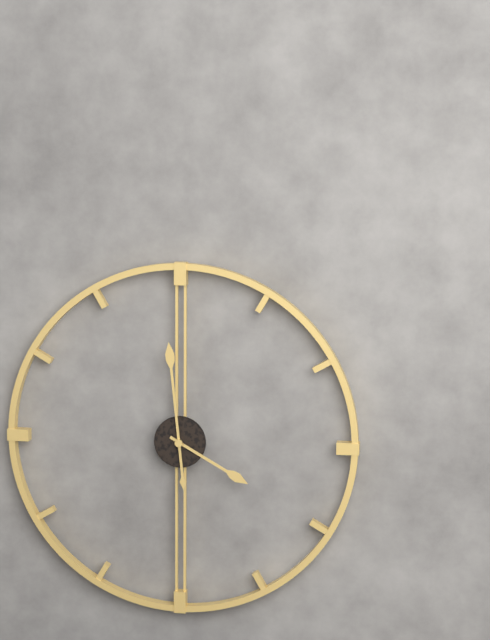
3.59
